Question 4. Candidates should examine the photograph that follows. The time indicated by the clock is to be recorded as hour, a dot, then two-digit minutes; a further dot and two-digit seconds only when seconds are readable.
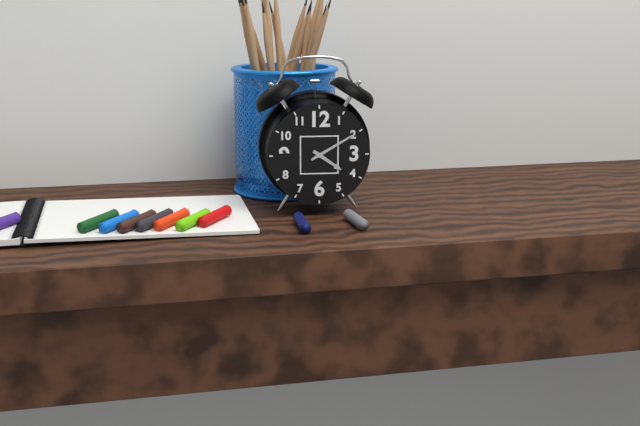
4.10
